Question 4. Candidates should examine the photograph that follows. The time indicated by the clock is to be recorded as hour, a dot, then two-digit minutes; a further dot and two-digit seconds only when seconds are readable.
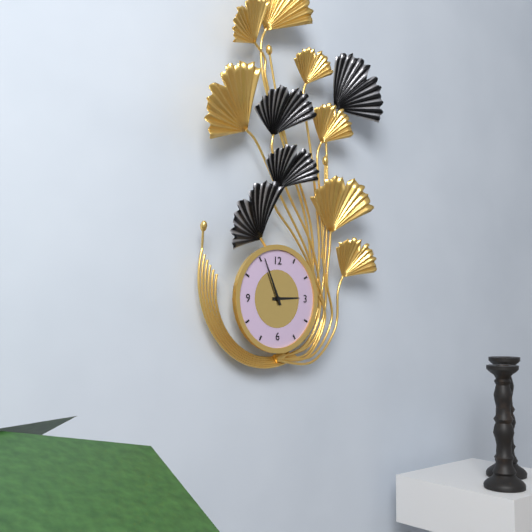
2.56
